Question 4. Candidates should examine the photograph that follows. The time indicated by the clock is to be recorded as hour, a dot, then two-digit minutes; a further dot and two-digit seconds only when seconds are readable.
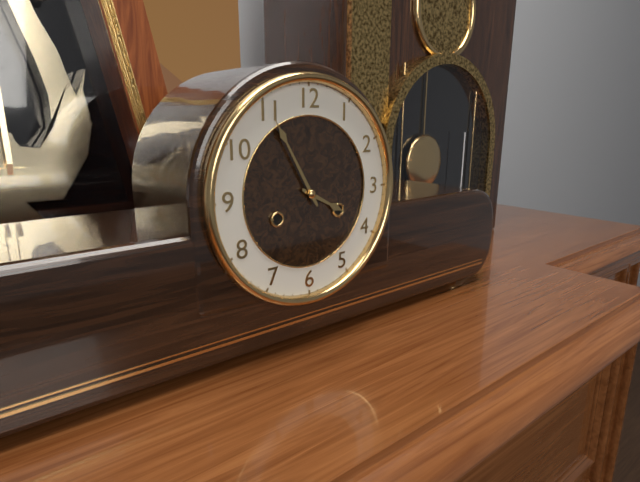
3.55
